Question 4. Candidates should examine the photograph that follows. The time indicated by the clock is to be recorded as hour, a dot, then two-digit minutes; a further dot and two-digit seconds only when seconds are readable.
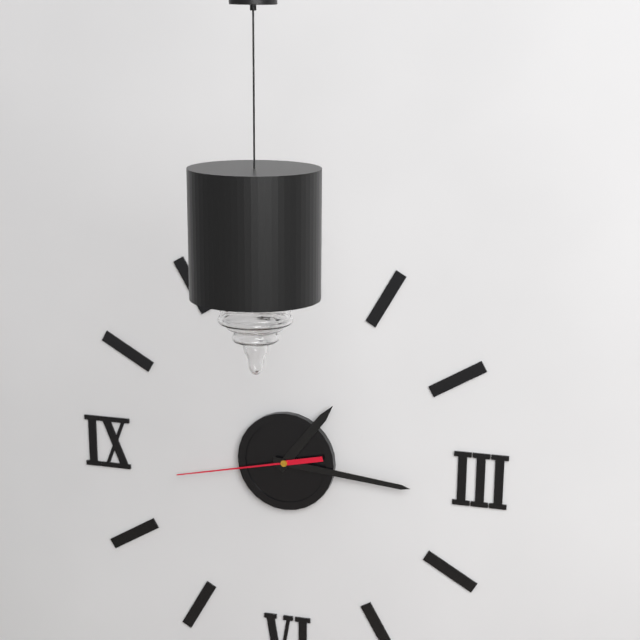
1.16.43
